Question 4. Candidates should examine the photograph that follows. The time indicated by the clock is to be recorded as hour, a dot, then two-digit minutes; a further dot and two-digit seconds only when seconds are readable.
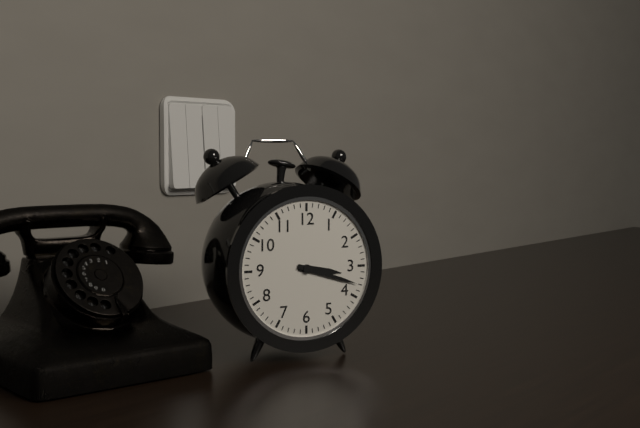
3.18
